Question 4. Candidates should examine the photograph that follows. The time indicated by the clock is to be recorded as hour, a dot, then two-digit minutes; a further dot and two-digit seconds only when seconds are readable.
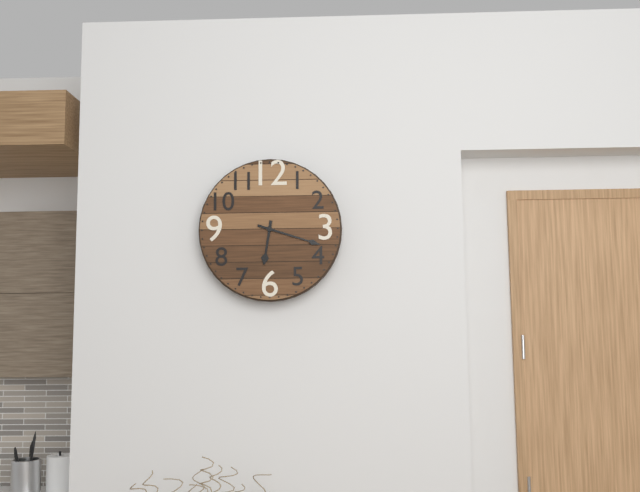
6.18
